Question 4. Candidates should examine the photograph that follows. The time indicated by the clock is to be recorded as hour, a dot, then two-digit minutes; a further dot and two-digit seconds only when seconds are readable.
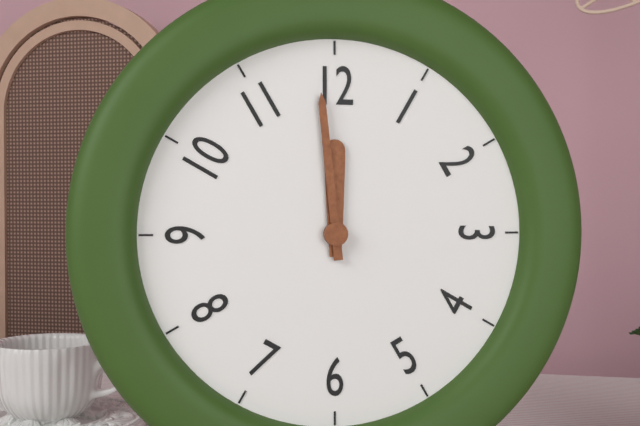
11.59
